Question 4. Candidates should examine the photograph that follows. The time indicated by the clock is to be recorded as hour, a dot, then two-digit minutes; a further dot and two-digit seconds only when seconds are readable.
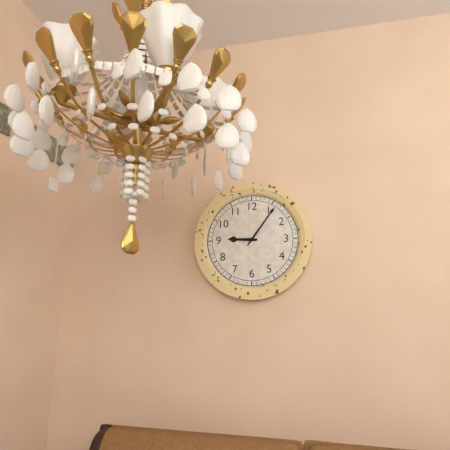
9.06
